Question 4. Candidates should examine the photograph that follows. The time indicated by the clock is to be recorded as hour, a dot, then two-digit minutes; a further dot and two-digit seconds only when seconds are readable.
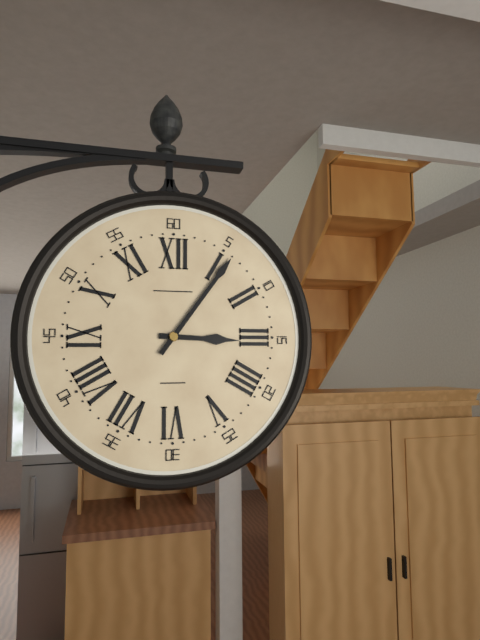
3.06
